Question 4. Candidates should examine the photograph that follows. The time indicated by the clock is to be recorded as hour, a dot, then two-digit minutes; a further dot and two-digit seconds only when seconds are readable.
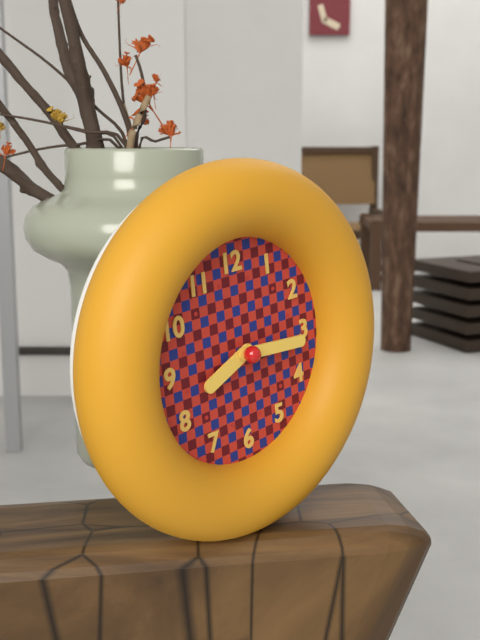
8.16
